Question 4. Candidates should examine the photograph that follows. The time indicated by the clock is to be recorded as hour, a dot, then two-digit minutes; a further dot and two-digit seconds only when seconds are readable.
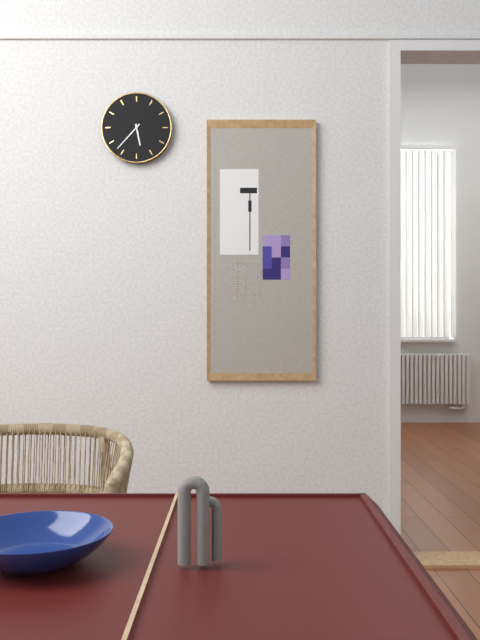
5.37
